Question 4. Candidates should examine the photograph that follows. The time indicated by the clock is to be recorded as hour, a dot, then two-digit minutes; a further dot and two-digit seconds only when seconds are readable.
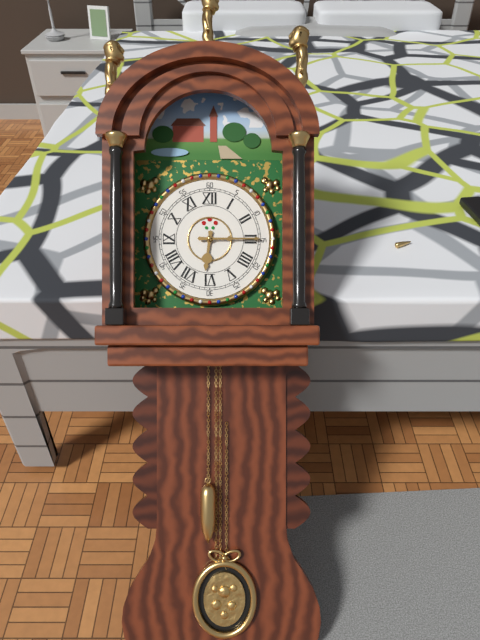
6.15
